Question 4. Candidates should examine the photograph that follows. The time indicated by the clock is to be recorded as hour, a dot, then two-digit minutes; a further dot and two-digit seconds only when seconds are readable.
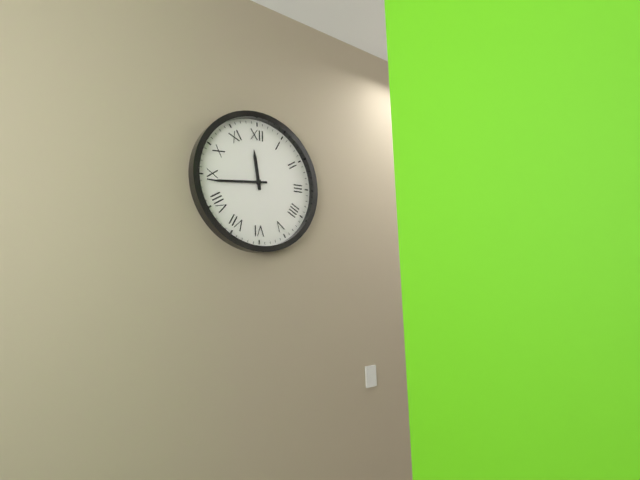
11.44
